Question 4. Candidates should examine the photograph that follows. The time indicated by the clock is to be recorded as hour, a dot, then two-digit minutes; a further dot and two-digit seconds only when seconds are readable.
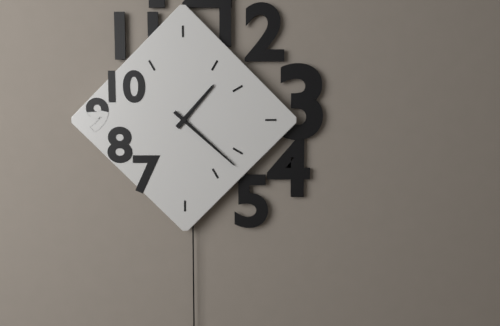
1.22
